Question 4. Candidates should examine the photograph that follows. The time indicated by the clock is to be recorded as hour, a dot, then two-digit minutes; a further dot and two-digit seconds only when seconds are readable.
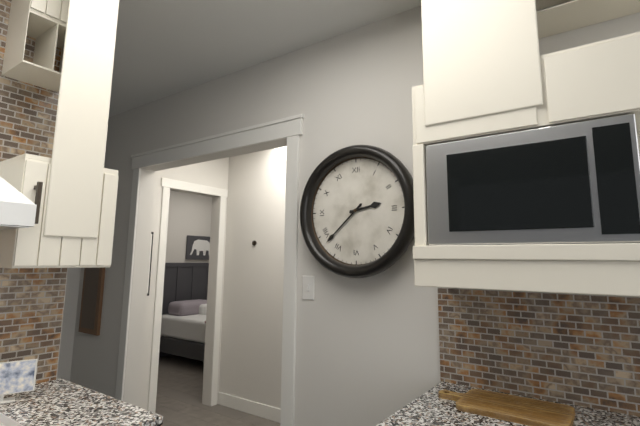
2.38
